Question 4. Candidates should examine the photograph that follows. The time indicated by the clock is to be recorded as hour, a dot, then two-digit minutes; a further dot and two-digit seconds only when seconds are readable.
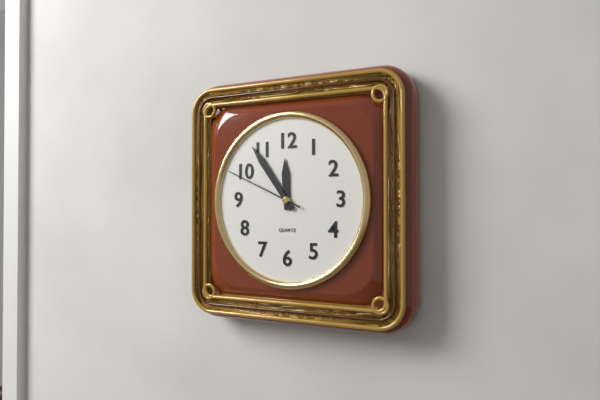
11.54.49
